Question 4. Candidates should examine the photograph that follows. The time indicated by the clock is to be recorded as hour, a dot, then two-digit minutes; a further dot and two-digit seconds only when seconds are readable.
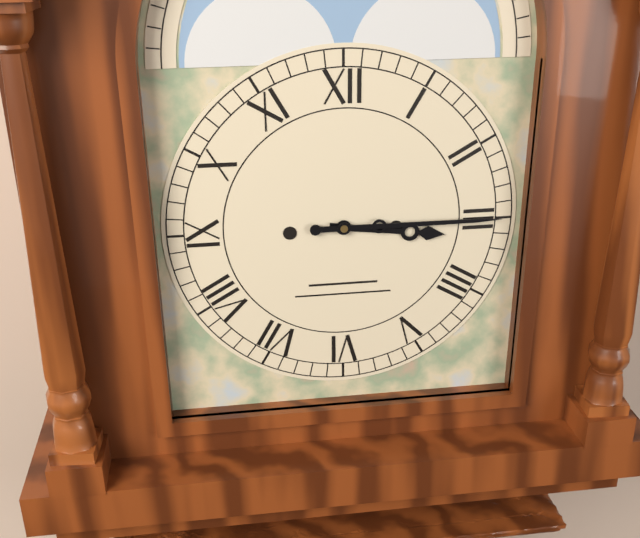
3.15
